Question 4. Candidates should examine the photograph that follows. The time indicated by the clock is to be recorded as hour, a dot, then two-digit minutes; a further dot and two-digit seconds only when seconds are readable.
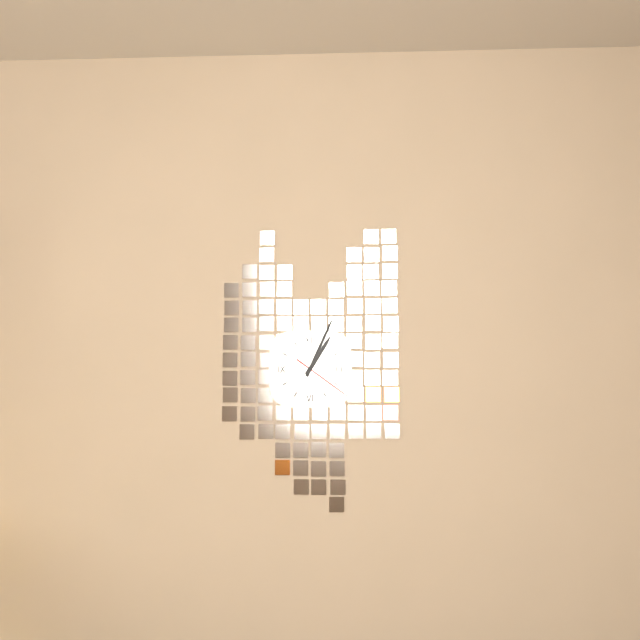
1.04.21
